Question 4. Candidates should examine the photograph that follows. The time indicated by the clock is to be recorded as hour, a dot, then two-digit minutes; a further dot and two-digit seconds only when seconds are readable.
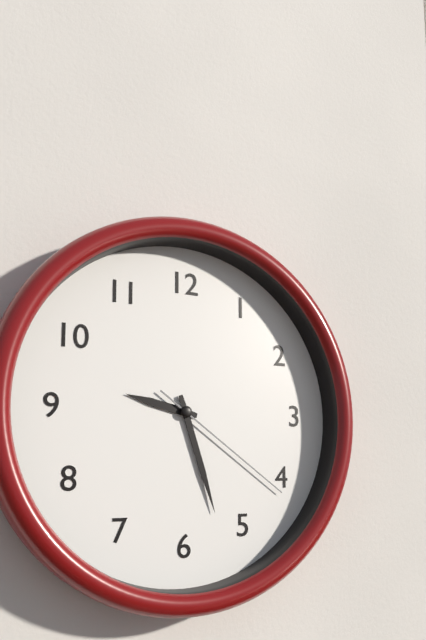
9.27.21
